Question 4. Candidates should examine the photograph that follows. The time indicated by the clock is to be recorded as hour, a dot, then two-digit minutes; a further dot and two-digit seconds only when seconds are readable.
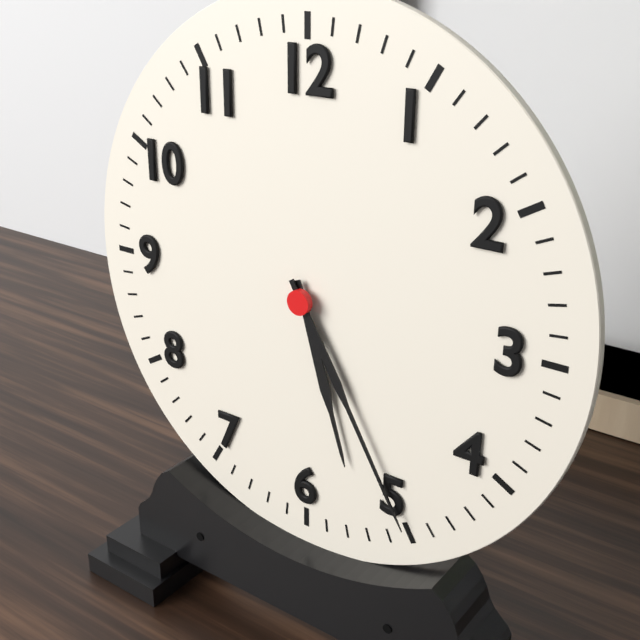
5.25
